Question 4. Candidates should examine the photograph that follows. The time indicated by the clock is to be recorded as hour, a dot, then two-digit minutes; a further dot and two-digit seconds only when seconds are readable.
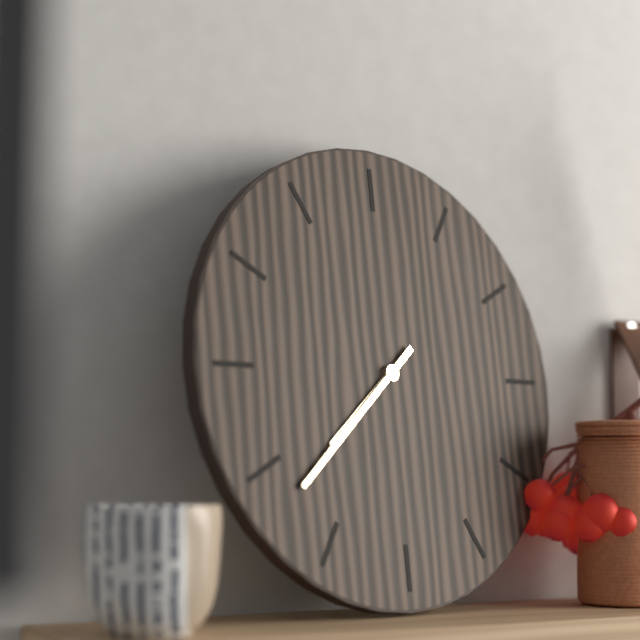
7.38
